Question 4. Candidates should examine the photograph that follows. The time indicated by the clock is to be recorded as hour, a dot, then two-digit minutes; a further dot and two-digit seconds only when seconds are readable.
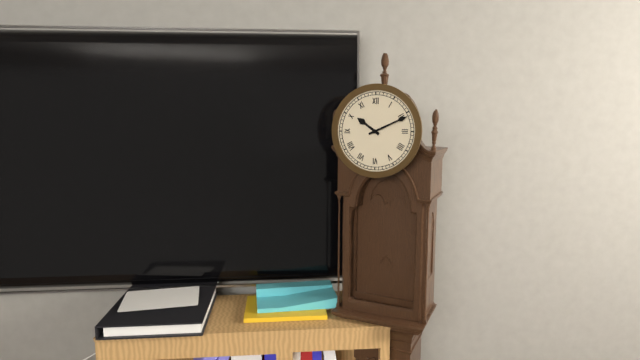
10.11
